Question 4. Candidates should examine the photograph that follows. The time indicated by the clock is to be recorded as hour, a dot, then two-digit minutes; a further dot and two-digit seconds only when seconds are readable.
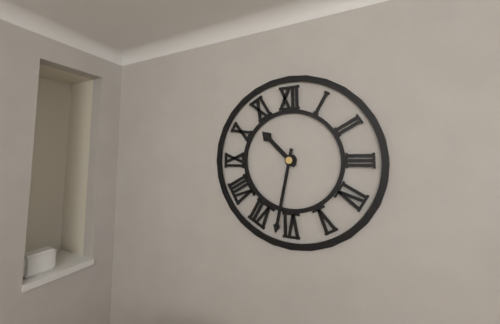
10.32
